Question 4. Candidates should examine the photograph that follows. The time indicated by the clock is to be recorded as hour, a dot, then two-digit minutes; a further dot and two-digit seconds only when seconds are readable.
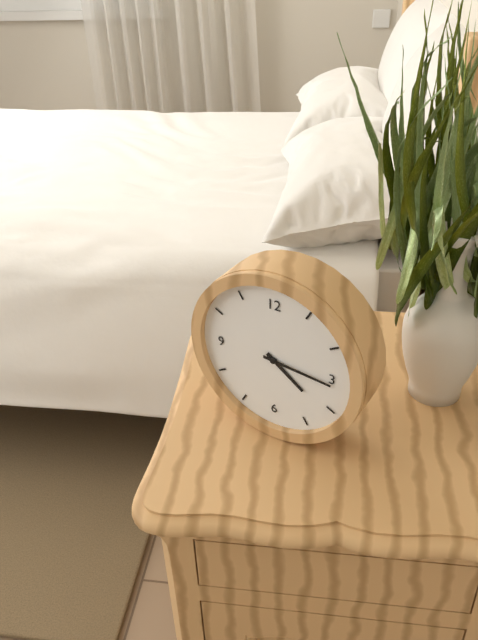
4.16
